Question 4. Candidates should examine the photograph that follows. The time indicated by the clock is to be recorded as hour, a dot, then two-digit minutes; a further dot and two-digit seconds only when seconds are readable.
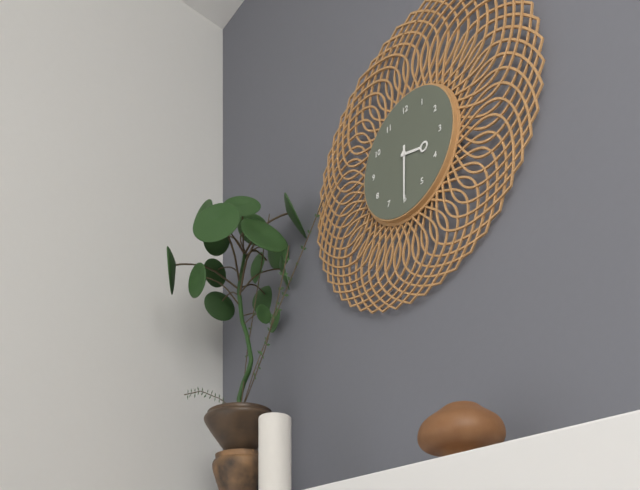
3.30
